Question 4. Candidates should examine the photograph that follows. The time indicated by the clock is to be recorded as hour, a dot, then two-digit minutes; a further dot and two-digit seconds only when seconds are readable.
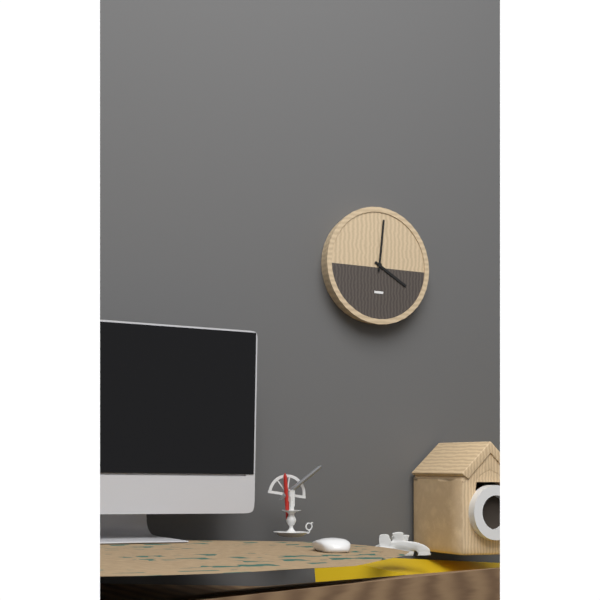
4.01
